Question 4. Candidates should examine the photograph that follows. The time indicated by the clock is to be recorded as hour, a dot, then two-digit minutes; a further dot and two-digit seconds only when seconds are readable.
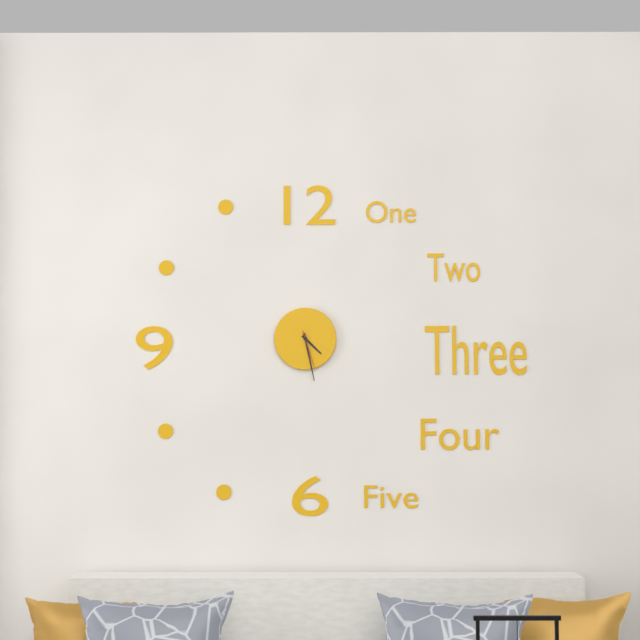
4.28
